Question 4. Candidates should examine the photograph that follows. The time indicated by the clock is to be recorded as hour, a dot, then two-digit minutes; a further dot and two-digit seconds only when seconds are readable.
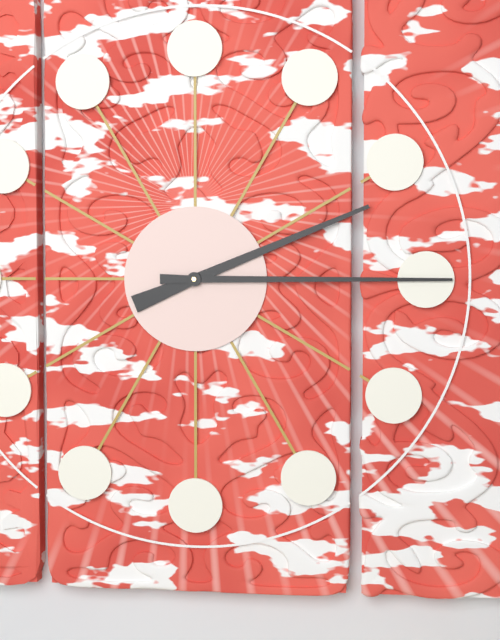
2.15
